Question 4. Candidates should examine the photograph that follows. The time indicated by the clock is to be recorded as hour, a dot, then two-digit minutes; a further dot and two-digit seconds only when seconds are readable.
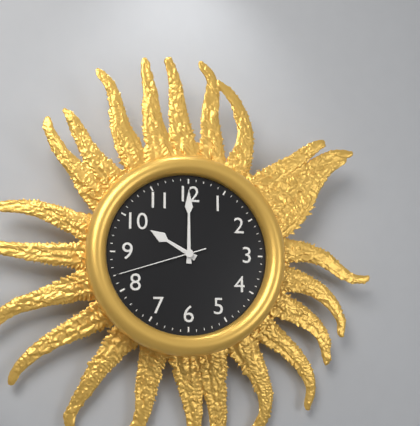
10.00.42
